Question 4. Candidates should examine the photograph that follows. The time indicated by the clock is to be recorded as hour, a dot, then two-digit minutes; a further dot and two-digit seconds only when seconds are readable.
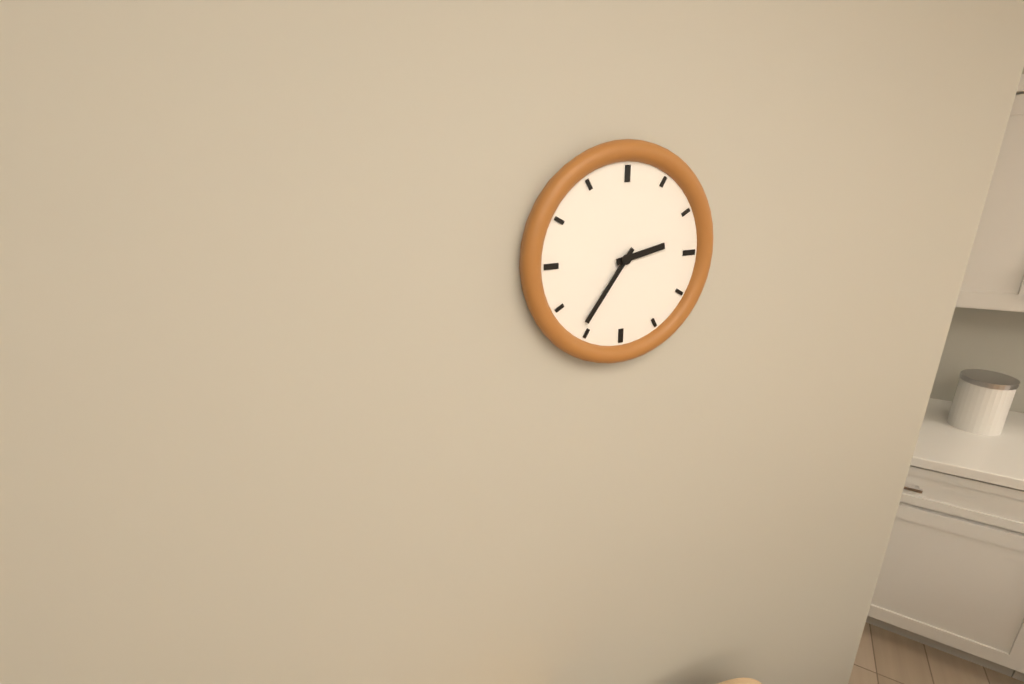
2.36
